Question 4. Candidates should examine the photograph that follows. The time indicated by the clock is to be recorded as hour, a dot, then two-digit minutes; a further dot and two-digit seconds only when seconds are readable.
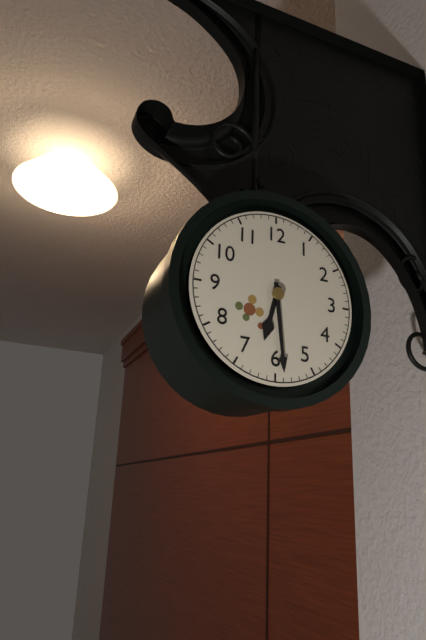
6.29
